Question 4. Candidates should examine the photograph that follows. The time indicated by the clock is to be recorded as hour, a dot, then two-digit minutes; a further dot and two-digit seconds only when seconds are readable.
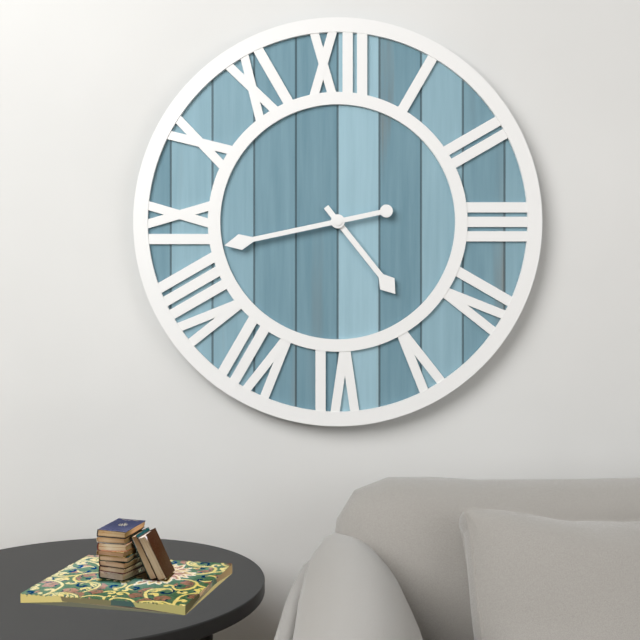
4.43
